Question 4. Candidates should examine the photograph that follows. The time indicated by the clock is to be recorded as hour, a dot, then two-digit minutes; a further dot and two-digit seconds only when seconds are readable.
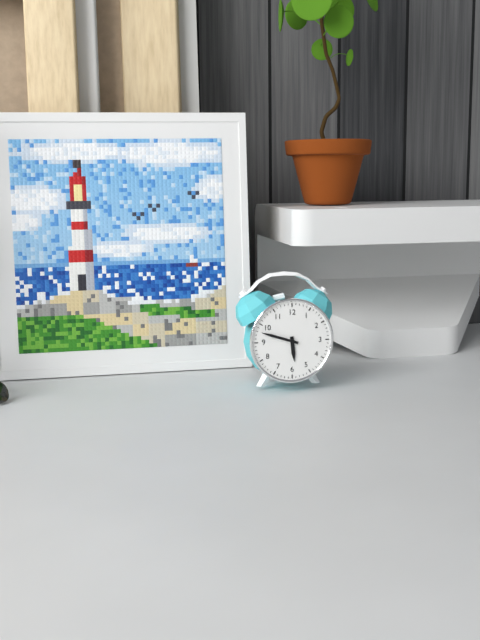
5.48
